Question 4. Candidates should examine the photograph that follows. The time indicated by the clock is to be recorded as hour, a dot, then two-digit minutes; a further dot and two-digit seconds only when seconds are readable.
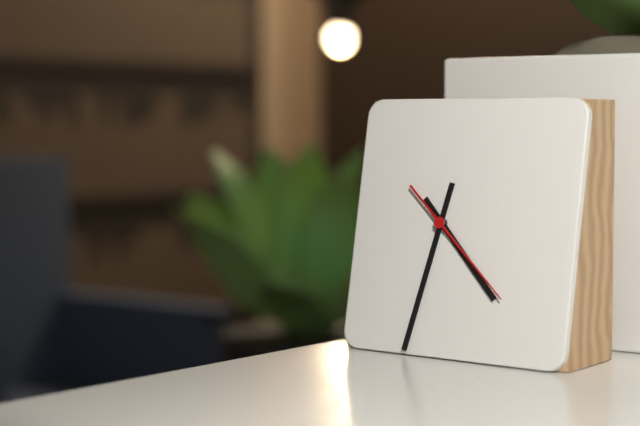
4.32.22
